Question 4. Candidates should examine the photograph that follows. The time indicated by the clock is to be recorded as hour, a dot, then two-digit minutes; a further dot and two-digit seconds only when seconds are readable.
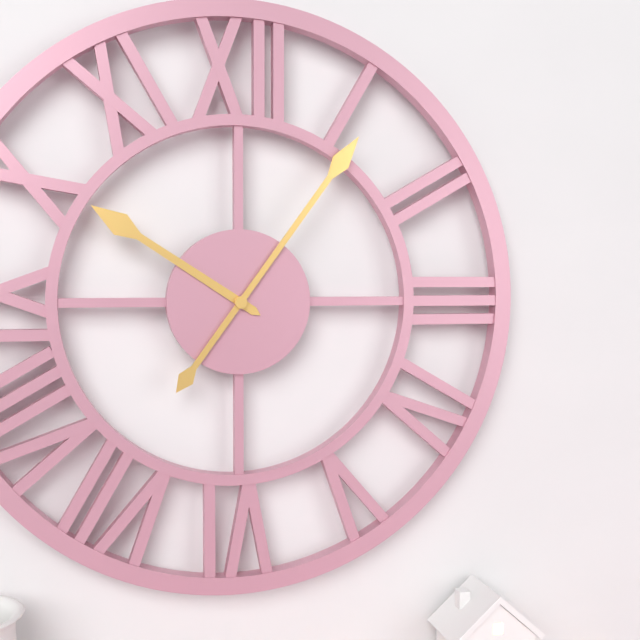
10.06
